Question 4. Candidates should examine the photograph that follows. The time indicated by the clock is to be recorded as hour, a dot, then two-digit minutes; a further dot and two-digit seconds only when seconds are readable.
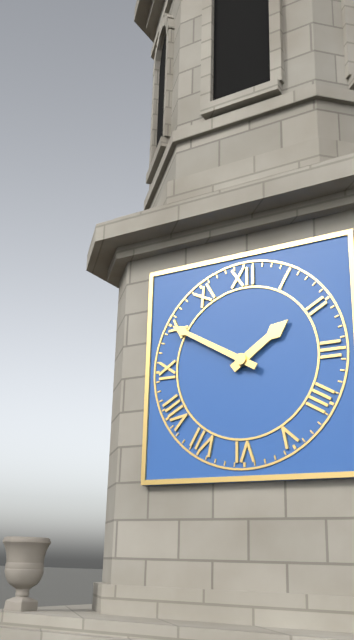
1.50
